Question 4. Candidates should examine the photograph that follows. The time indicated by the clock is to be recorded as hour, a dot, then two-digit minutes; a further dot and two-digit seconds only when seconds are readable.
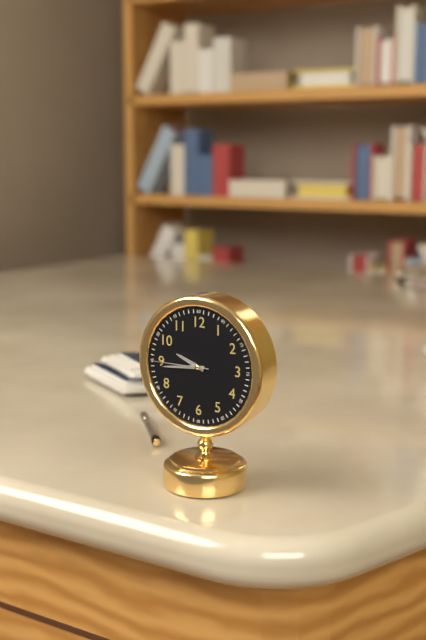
9.44.45
